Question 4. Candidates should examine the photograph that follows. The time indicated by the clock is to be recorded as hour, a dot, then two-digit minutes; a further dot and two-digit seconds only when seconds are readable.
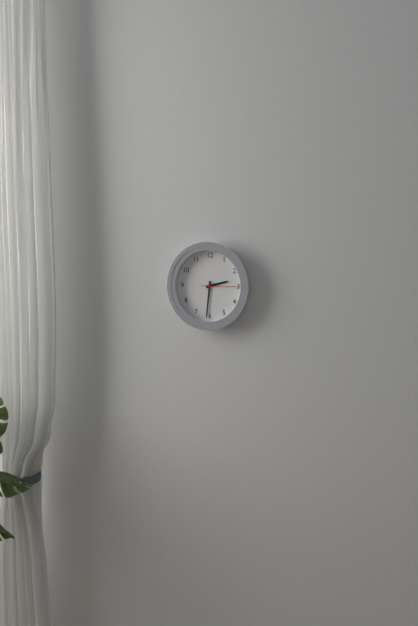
2.31
